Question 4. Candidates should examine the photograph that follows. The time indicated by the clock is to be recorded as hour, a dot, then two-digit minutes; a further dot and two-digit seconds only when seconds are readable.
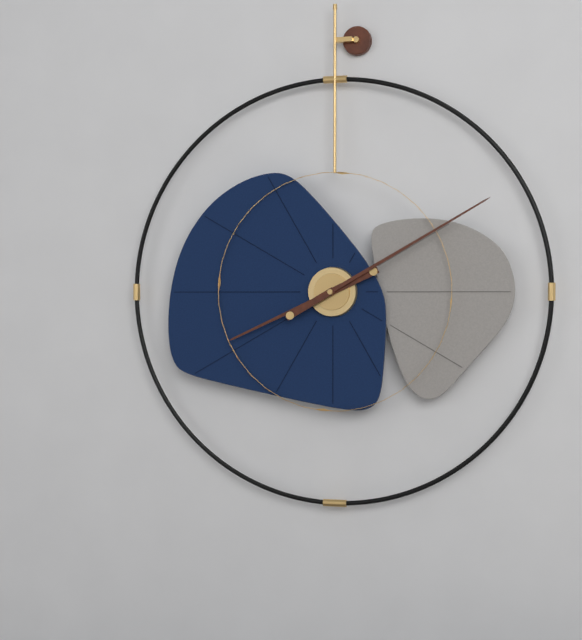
8.10
